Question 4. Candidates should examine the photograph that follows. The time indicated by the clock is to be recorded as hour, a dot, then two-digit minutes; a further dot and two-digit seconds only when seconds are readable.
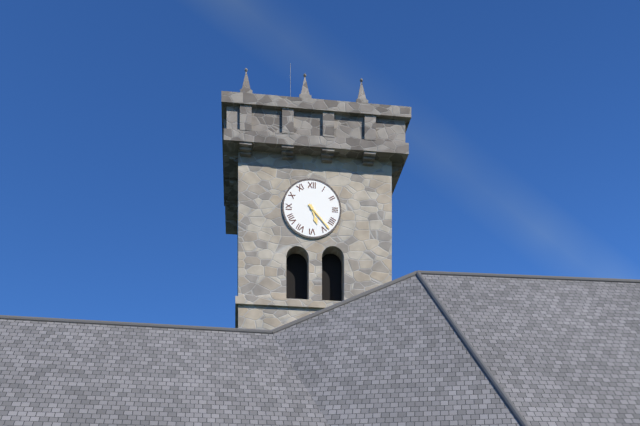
5.23
